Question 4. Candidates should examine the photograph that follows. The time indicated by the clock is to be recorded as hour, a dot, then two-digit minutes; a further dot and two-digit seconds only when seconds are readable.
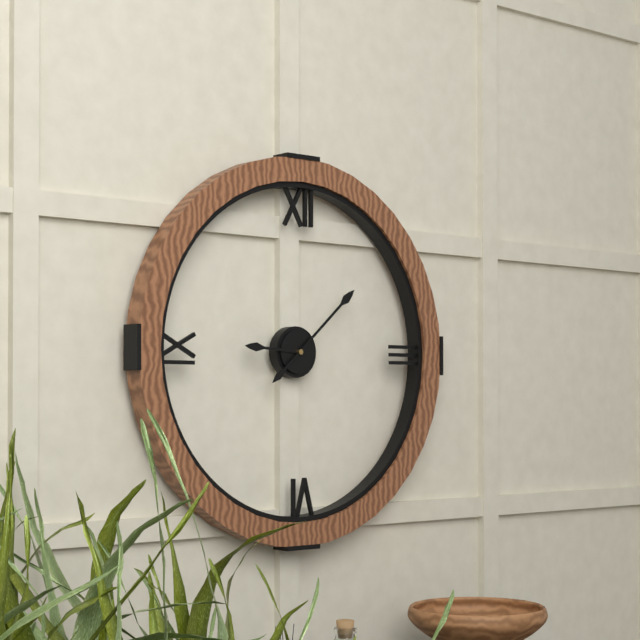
9.08
